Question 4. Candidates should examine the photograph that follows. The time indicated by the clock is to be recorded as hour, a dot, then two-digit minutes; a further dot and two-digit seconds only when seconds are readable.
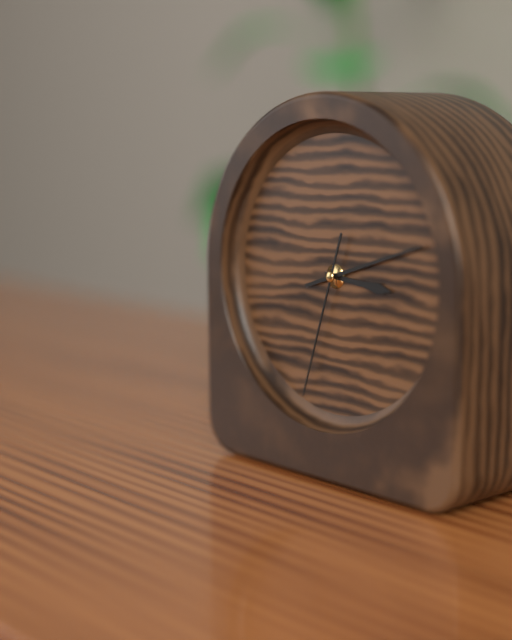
3.12.33
